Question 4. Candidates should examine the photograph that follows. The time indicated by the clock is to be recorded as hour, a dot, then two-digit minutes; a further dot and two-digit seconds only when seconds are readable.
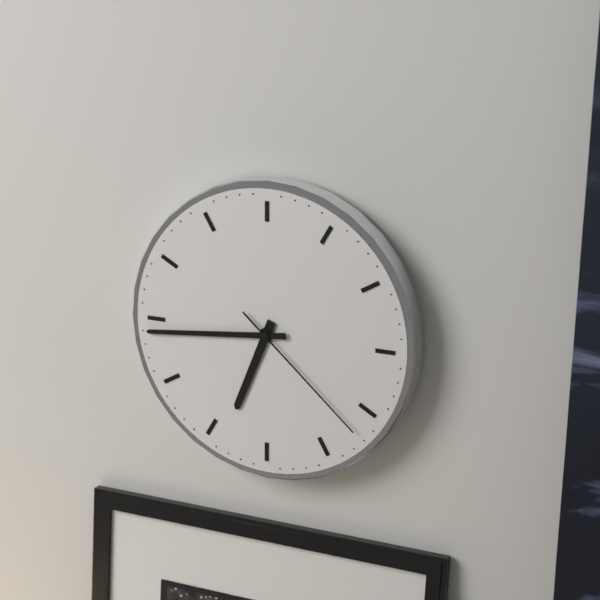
6.44.22
